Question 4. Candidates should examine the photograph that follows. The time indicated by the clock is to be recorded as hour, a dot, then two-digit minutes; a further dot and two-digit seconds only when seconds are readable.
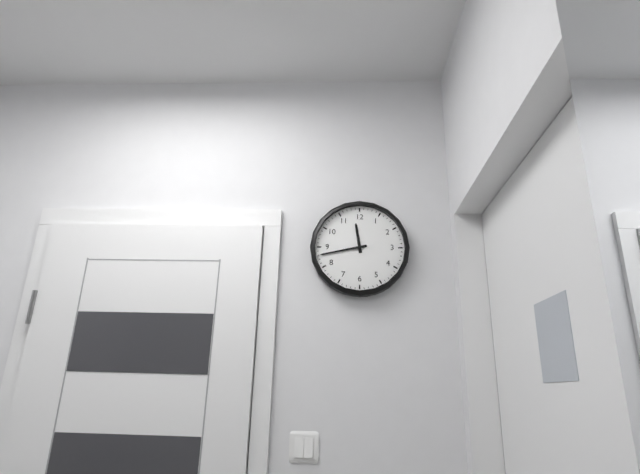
11.43
